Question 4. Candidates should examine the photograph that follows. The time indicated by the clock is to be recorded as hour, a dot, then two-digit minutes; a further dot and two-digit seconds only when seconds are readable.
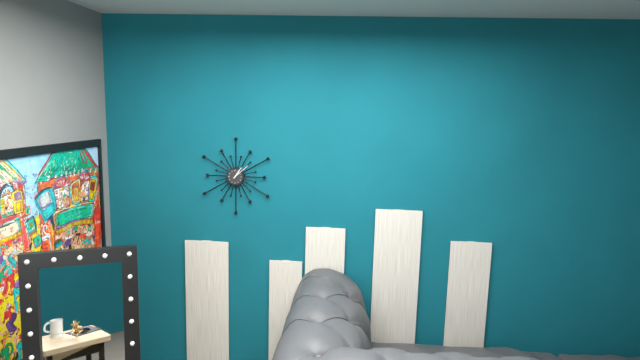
1.08
